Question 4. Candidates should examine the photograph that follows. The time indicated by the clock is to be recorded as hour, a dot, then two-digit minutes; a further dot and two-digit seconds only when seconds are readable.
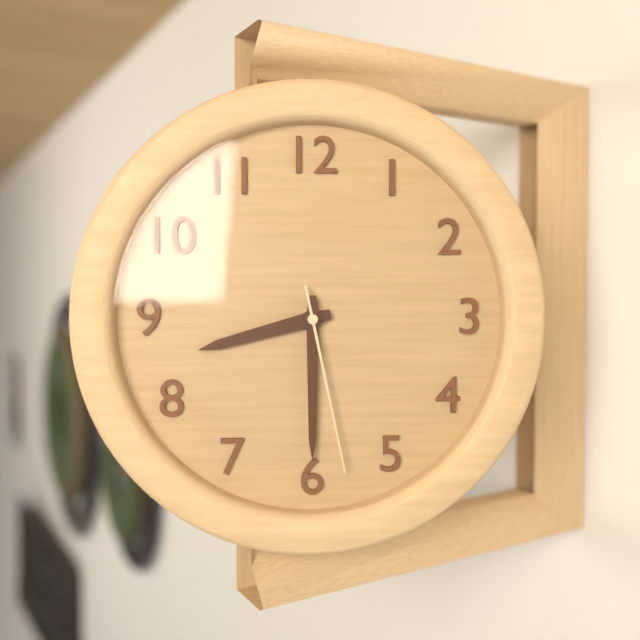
8.30.28
